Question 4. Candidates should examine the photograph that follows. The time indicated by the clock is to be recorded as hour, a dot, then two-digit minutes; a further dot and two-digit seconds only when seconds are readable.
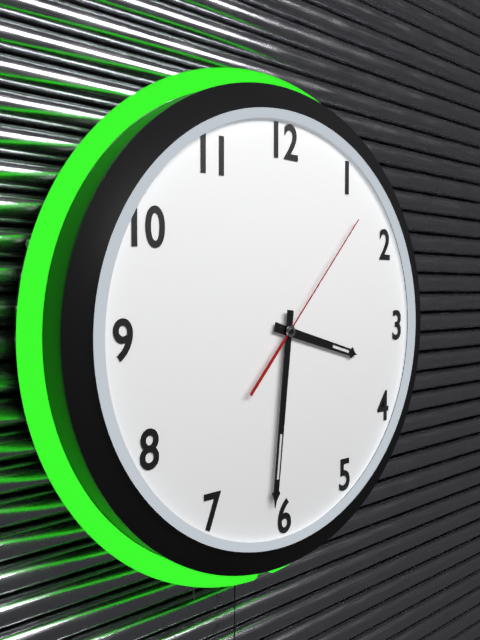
3.31.07
